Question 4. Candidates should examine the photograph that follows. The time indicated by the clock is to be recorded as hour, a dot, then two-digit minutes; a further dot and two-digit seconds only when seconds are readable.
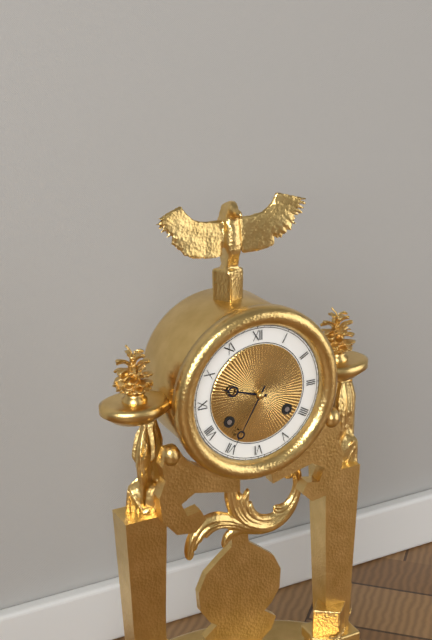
9.35
